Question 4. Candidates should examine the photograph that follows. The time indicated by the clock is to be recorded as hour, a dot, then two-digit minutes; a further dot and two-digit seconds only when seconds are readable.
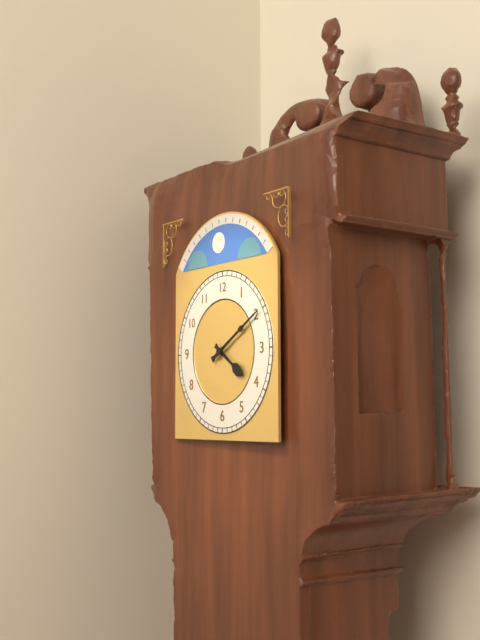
4.10
